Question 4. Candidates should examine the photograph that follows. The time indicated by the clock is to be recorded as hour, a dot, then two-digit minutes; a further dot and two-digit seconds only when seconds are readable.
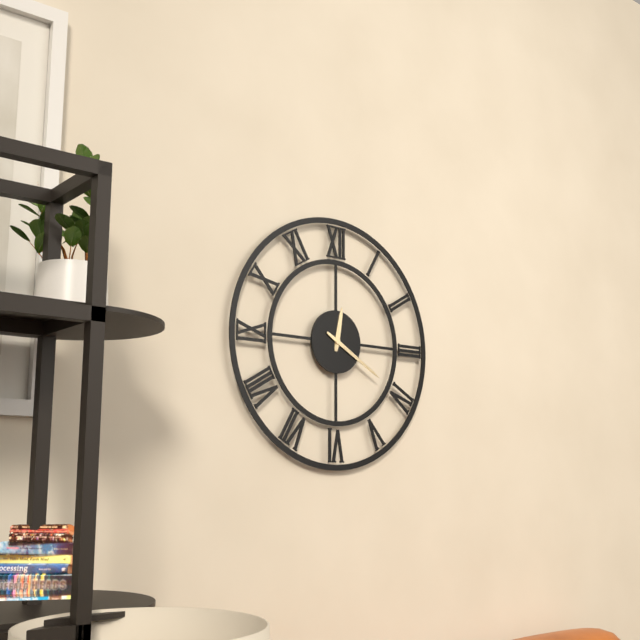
12.20
